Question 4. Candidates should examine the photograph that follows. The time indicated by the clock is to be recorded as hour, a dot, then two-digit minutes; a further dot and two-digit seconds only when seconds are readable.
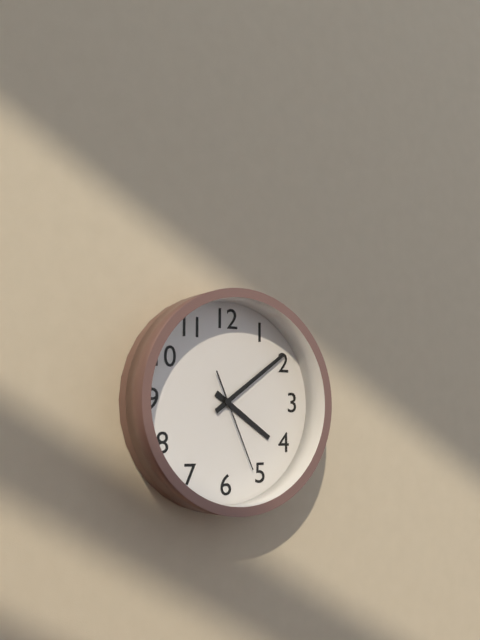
4.09.26
